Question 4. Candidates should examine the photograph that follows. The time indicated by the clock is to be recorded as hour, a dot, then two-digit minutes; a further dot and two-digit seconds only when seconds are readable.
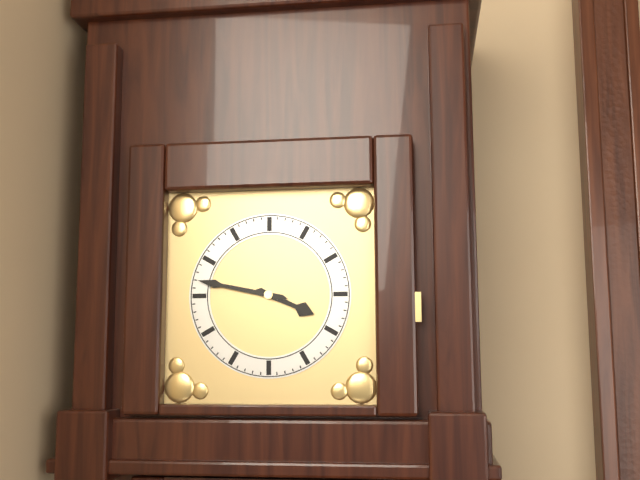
3.47
